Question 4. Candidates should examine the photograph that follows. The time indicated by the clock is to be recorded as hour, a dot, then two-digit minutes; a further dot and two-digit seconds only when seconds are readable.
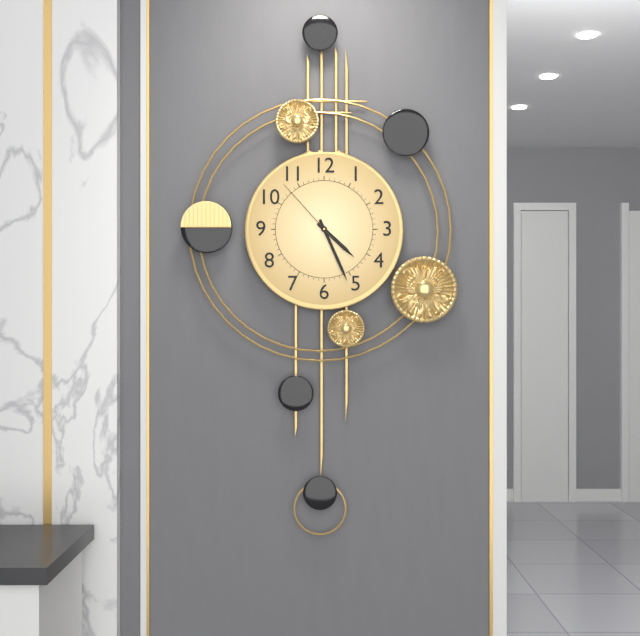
4.26.53
